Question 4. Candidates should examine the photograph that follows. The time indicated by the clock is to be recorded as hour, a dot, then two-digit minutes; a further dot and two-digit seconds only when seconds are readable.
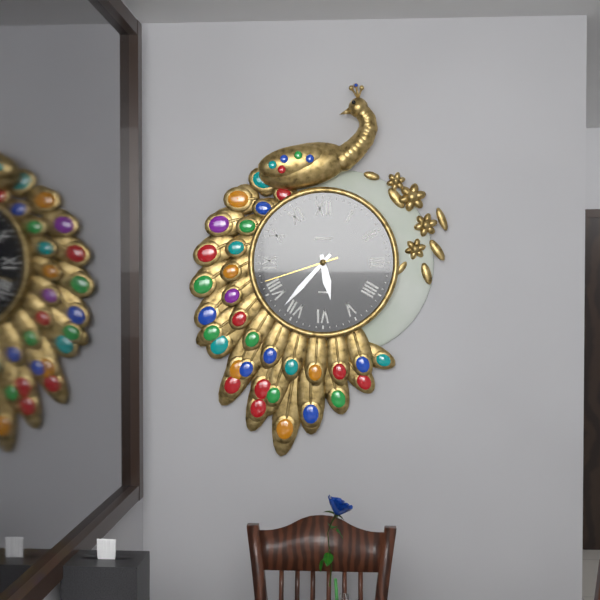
5.37.42
